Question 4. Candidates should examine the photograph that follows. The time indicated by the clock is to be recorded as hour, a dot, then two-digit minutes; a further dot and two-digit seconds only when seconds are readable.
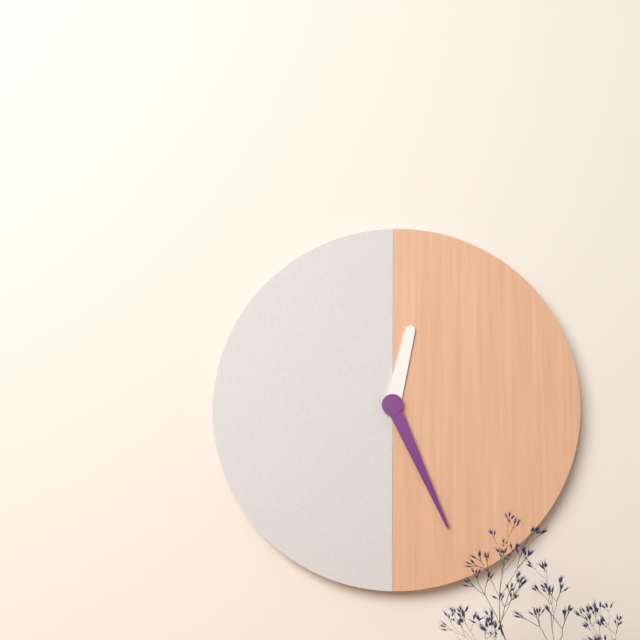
12.26
